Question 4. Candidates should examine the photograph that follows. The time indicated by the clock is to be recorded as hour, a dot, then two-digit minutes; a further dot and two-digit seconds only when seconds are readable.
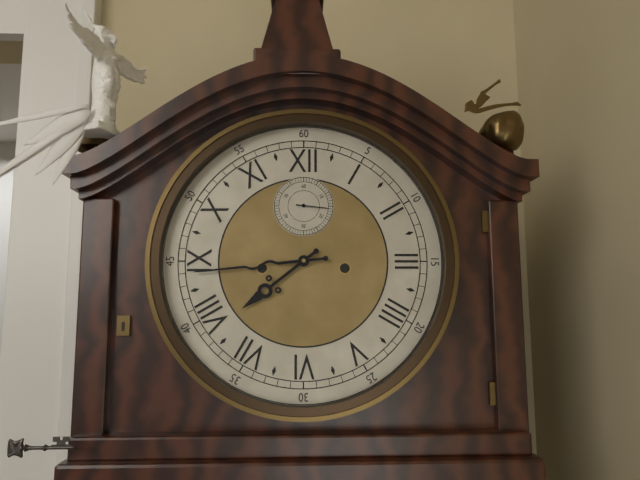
7.44
